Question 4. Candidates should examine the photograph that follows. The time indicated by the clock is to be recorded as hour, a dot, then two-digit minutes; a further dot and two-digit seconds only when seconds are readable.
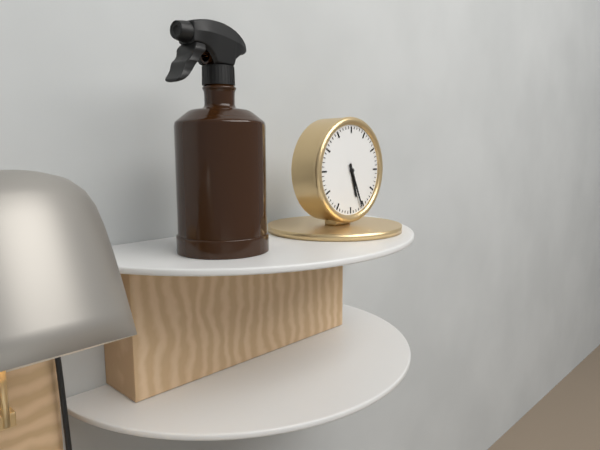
5.26
